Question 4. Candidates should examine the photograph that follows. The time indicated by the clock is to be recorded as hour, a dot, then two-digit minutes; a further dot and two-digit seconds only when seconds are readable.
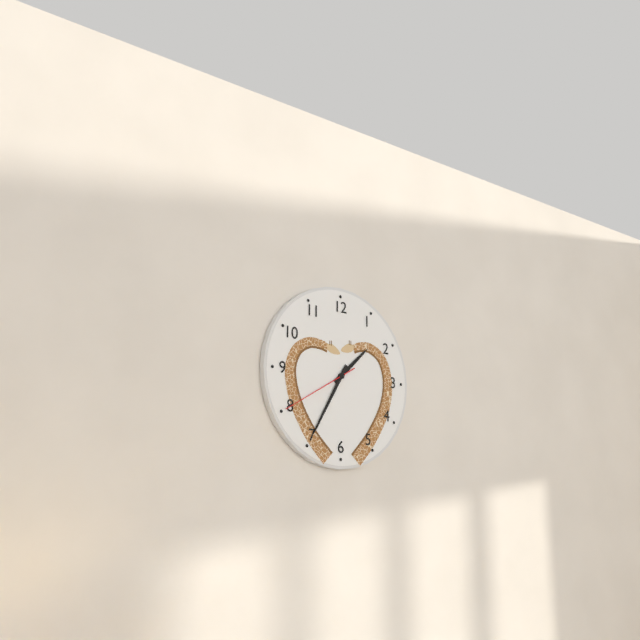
1.35.40
